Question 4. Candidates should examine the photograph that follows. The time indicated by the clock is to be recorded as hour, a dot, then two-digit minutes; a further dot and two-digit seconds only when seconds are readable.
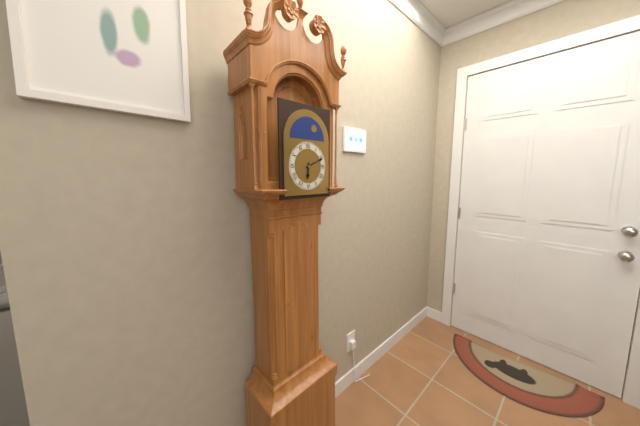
6.11
